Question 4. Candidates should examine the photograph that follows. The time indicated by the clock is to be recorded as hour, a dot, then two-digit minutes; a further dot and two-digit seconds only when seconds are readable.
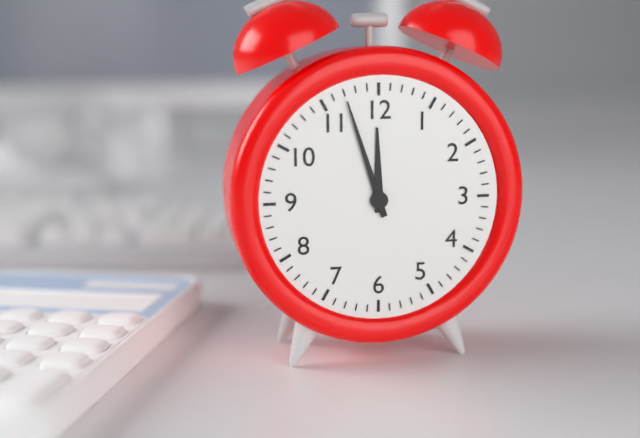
11.57
